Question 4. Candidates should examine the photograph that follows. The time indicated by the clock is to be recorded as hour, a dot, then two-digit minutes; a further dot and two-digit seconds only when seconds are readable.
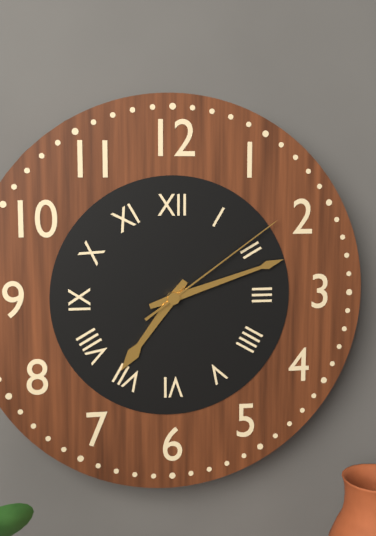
7.12.09
